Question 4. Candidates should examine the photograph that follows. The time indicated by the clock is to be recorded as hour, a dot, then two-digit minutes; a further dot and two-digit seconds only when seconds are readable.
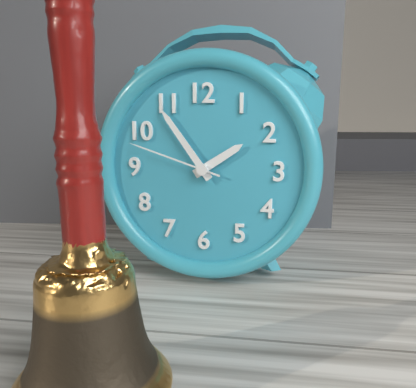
1.54.48
